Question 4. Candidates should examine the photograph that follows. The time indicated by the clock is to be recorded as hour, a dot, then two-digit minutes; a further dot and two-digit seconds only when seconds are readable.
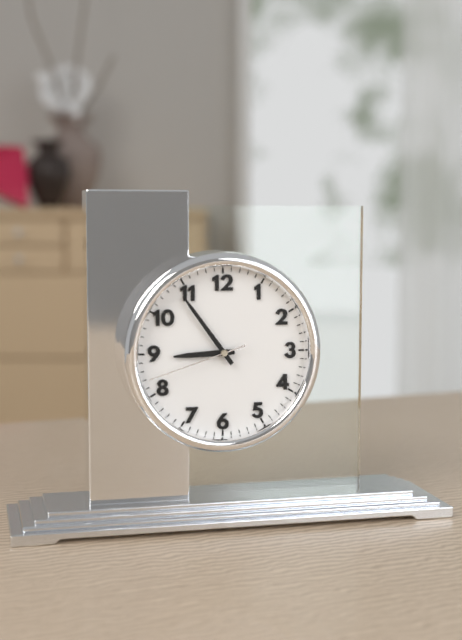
8.54.42
